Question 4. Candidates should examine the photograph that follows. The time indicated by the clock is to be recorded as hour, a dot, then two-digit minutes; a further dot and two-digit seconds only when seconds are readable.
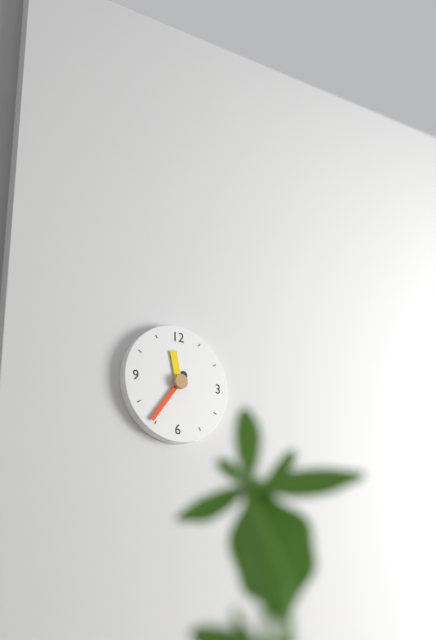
11.36
